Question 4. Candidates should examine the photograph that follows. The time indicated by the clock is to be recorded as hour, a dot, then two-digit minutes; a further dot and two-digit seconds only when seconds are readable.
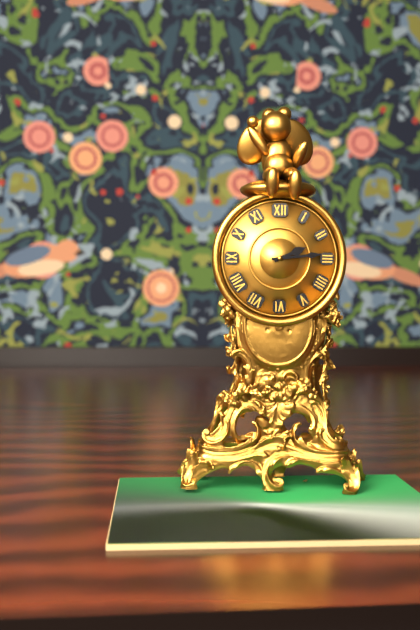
2.14
